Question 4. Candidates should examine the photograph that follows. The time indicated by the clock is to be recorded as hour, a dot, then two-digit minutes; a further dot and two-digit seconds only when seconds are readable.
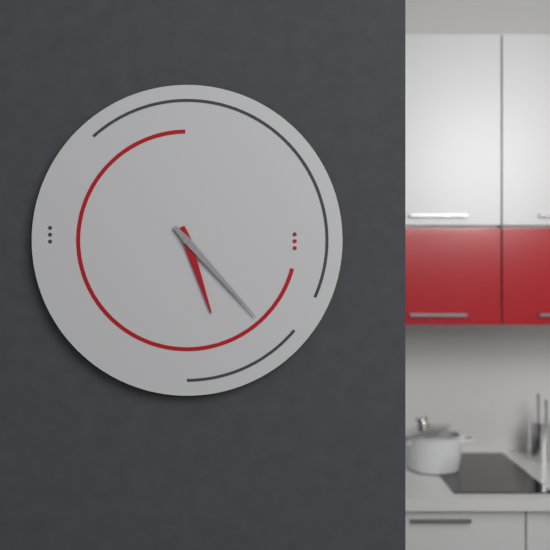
5.23
